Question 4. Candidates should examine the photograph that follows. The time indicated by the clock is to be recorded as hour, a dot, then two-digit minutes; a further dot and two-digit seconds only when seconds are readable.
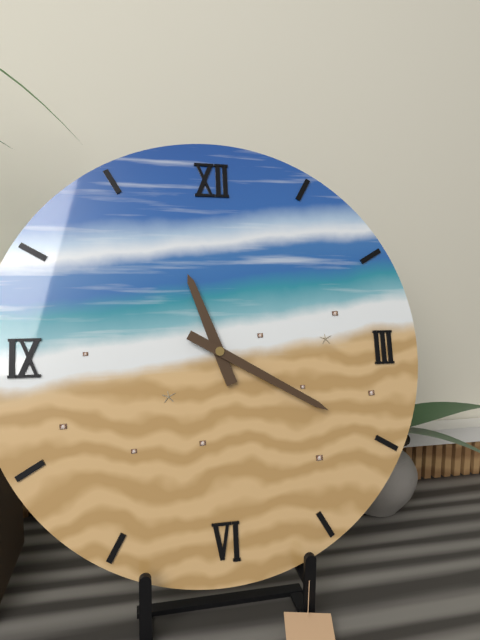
11.20
